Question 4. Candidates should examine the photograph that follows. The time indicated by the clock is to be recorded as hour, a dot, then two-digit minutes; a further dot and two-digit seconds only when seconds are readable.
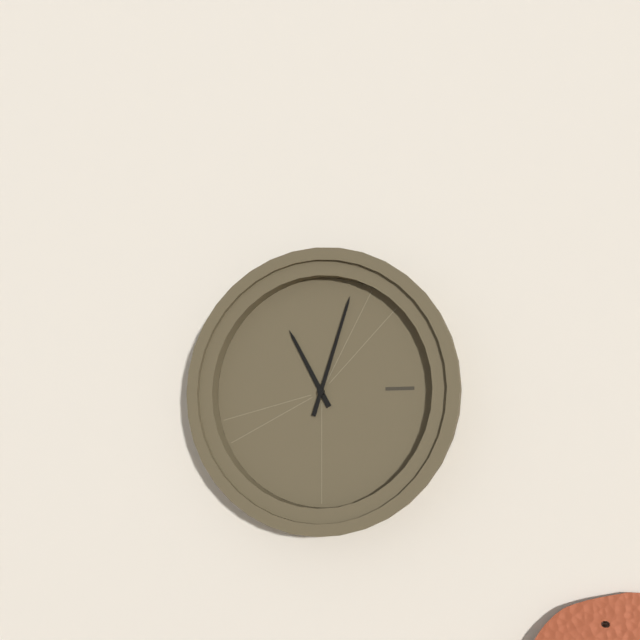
11.03
